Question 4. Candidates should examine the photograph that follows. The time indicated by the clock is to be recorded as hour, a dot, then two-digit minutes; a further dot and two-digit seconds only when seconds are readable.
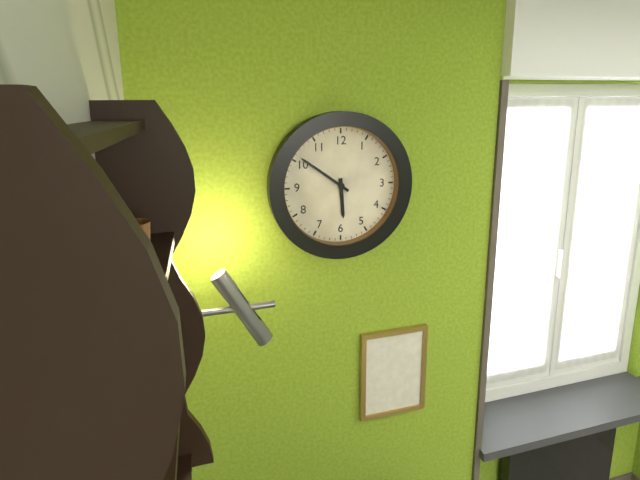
5.51
